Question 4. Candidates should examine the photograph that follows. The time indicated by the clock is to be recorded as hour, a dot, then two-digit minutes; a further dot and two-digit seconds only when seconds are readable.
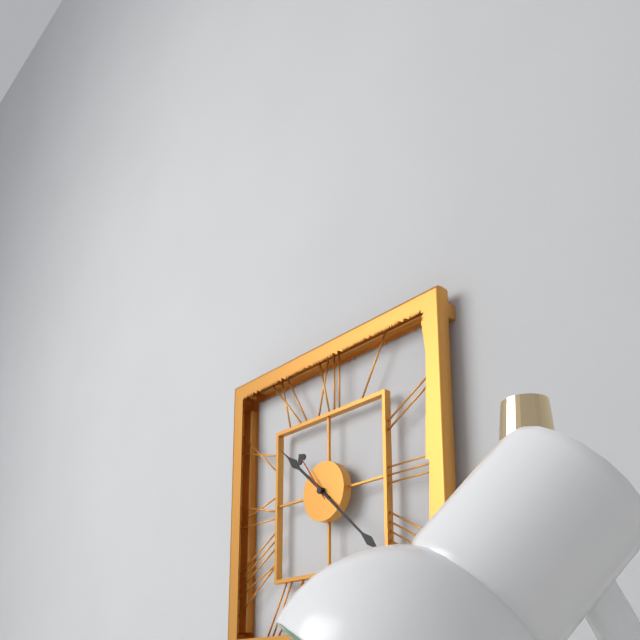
10.22.54
